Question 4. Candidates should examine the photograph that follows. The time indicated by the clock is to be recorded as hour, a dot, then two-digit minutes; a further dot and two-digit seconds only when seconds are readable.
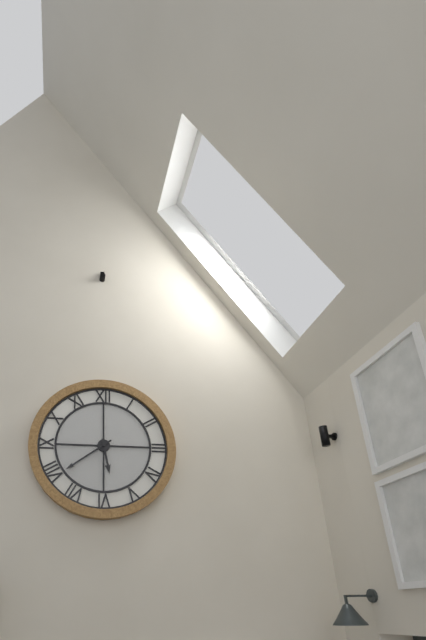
5.39
